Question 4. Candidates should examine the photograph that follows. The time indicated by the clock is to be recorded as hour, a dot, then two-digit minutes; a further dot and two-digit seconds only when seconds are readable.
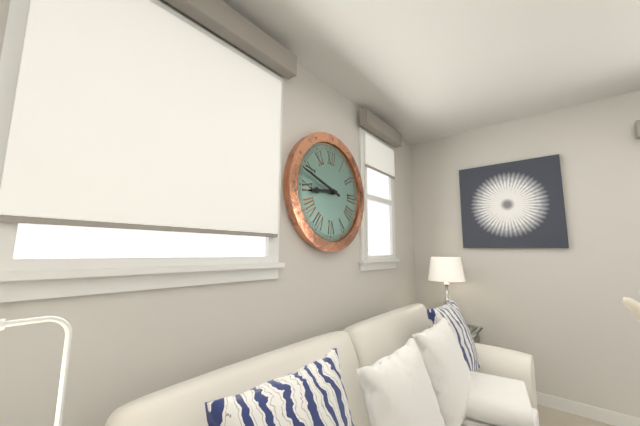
8.48
